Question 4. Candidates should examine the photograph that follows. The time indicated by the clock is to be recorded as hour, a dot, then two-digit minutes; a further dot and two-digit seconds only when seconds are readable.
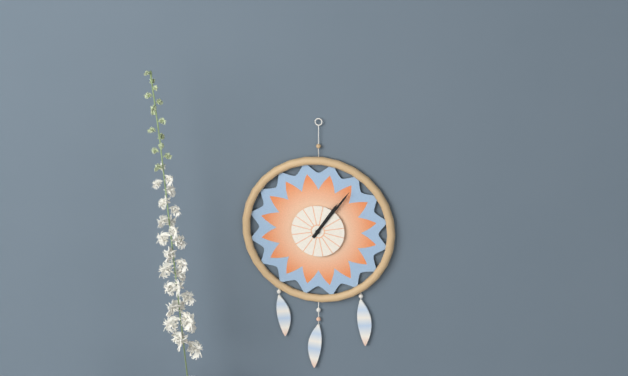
1.06
